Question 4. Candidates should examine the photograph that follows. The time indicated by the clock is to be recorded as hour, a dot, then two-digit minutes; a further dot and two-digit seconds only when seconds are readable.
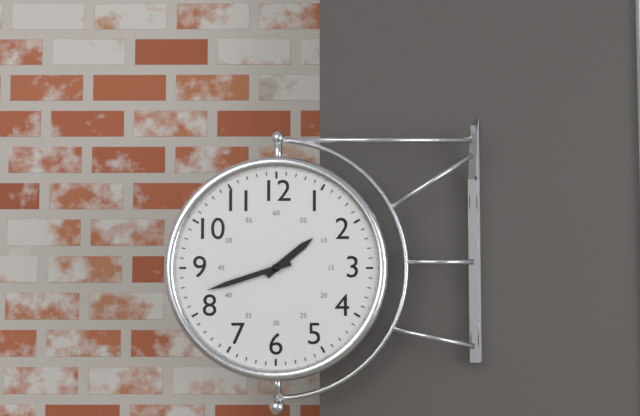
1.42
